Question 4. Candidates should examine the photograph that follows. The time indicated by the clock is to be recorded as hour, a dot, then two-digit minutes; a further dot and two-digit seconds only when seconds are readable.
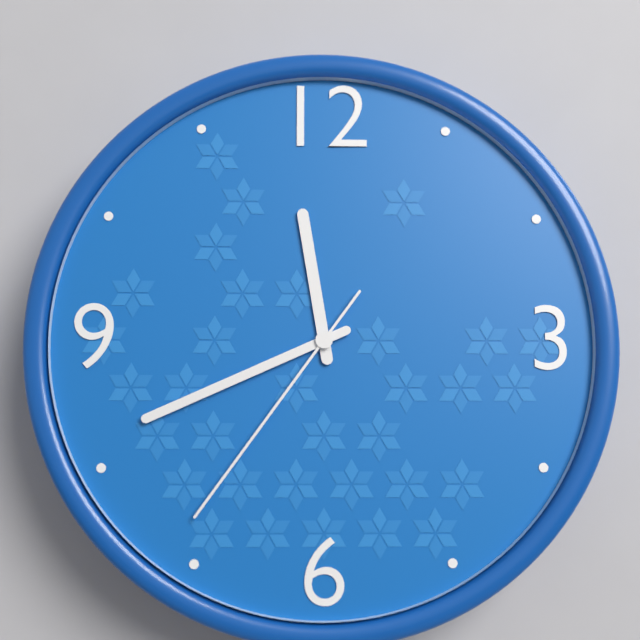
11.41.36
